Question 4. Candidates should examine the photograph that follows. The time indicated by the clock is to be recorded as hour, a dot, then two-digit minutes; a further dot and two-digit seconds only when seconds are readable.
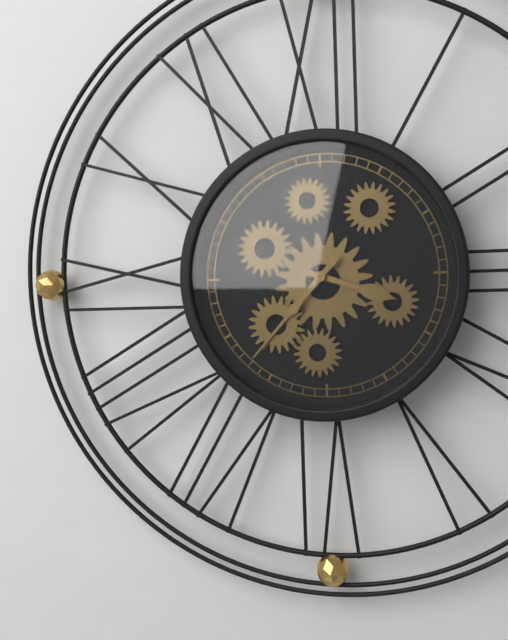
3.37
